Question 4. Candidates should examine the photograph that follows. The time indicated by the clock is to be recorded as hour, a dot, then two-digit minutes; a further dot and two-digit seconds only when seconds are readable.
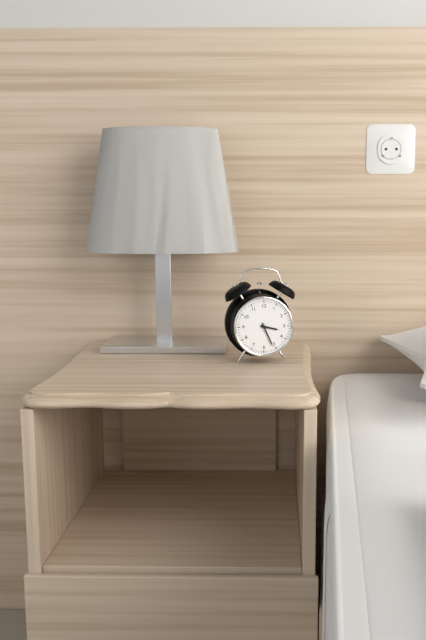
3.26
